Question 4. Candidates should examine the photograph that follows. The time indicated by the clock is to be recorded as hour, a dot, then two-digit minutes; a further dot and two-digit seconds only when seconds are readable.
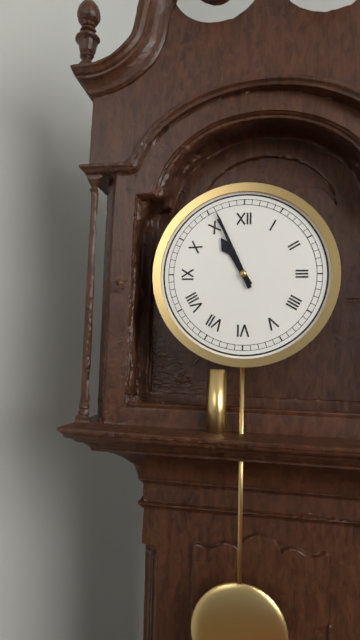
10.56
